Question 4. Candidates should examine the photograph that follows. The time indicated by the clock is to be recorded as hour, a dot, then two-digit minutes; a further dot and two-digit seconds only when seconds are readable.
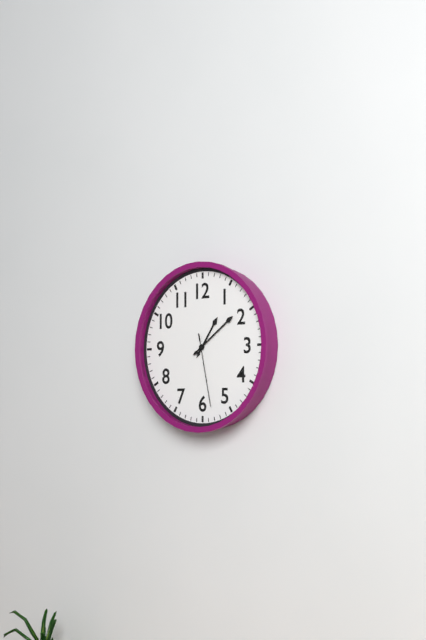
1.09.28
